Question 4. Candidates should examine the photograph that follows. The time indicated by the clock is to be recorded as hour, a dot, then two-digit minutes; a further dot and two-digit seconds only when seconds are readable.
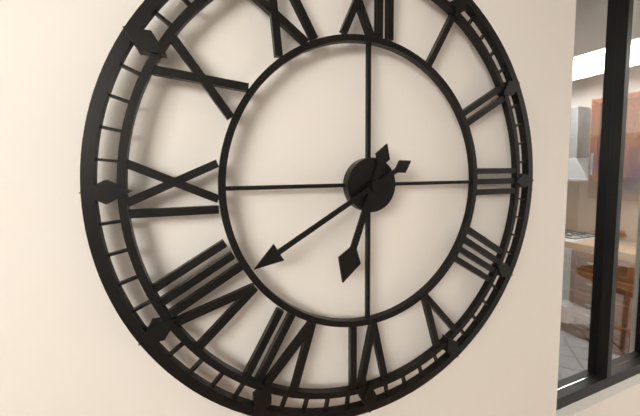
6.40
